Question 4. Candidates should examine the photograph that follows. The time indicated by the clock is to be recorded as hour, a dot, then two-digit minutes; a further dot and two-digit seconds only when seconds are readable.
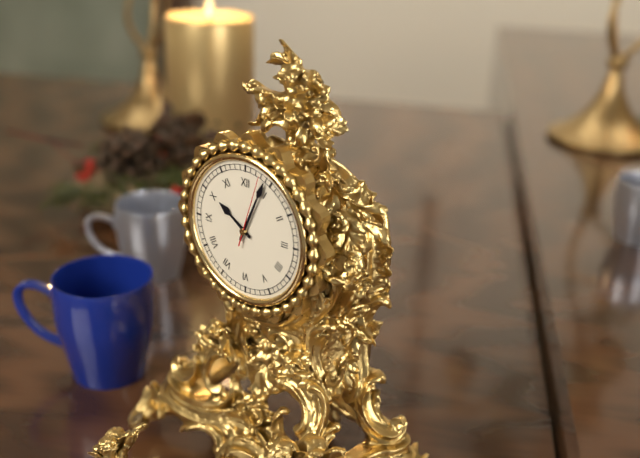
10.04.03
